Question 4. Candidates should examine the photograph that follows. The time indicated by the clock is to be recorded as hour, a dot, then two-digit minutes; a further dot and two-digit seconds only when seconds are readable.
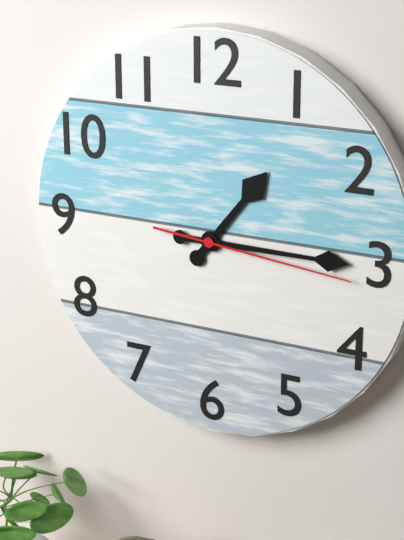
1.15.16
